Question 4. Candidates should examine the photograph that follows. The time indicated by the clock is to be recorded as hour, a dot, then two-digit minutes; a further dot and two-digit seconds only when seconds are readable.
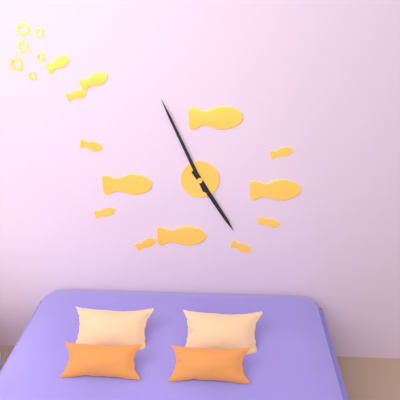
4.56
